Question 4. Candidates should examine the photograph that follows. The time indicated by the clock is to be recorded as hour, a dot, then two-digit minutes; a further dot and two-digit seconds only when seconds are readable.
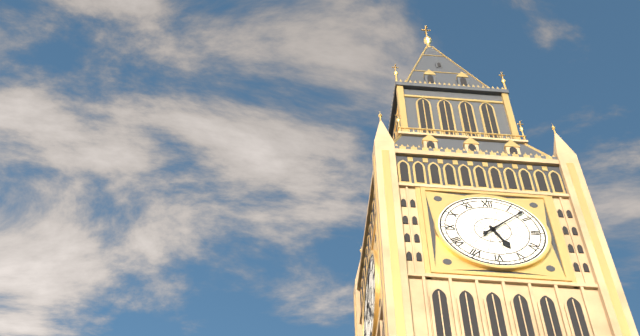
5.08
